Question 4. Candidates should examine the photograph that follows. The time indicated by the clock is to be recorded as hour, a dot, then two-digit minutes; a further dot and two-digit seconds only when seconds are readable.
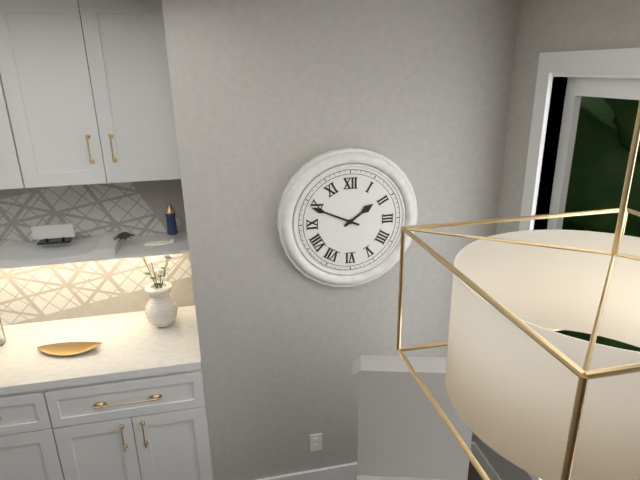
1.49
